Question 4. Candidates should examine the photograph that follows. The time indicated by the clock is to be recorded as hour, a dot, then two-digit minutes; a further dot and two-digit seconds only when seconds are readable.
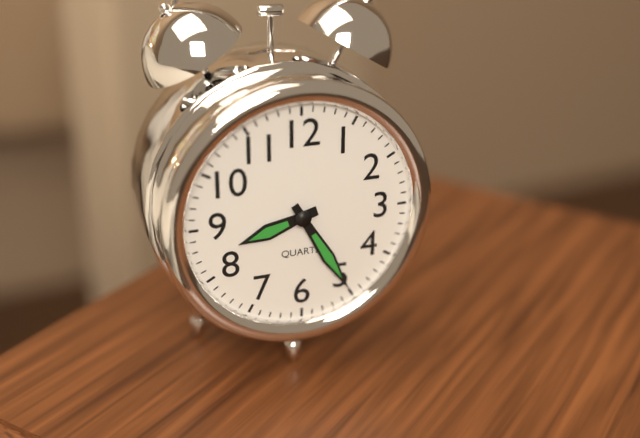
8.25
